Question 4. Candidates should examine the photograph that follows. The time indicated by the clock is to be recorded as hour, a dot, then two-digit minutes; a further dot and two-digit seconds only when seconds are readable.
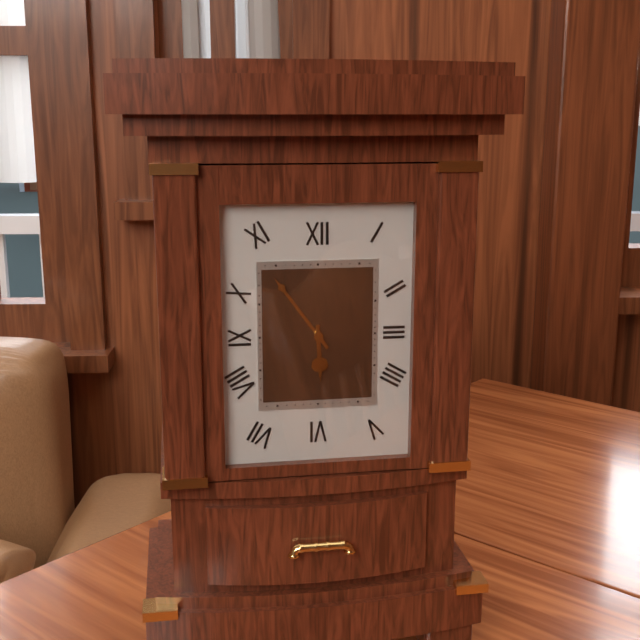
5.54
